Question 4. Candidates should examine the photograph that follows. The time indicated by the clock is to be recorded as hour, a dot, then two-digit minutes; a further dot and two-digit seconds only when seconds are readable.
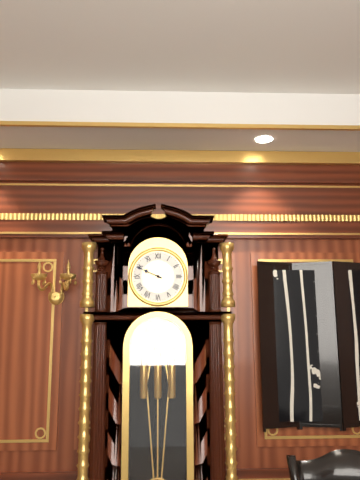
9.49
